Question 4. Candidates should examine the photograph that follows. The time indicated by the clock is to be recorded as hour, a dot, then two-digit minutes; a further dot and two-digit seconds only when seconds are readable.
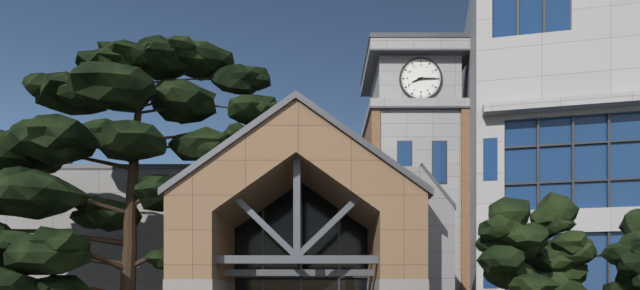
8.15
